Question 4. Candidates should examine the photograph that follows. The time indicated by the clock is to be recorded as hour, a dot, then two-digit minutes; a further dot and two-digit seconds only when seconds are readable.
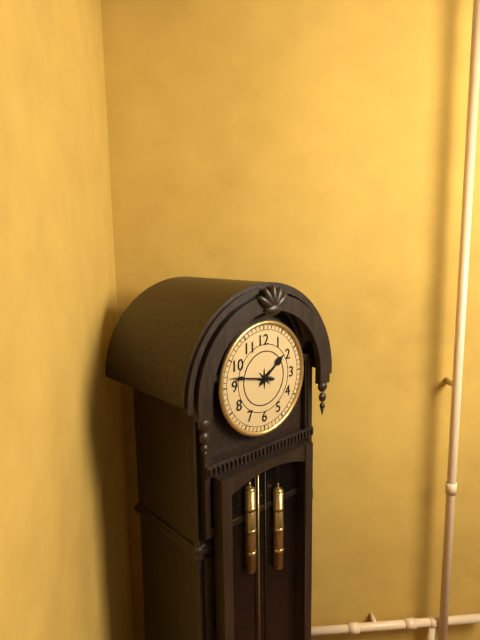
1.47
